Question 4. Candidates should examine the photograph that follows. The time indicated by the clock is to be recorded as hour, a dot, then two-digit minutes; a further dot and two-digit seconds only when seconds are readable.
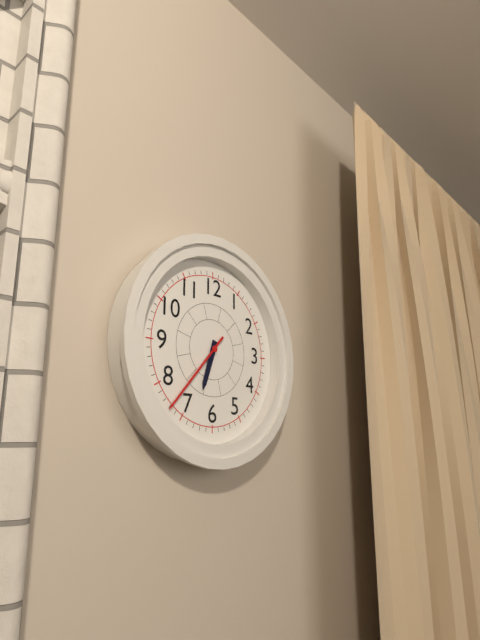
6.37
